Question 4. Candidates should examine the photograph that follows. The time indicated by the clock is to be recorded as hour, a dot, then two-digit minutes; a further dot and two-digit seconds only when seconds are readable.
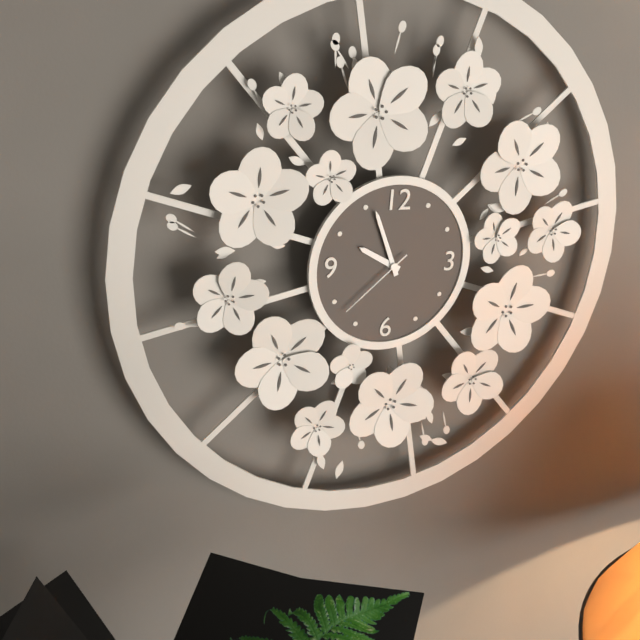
9.56.38
